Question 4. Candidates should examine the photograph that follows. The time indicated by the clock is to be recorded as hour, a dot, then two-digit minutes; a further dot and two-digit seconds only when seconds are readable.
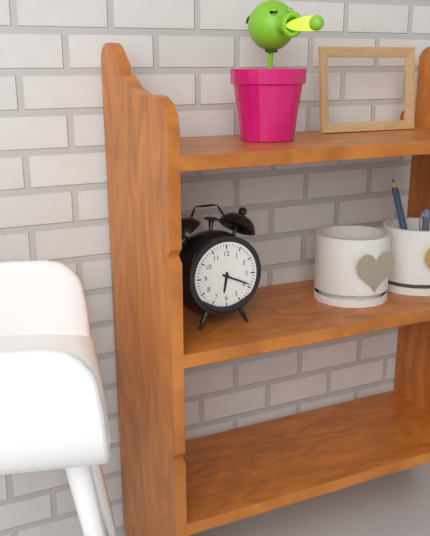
6.19
